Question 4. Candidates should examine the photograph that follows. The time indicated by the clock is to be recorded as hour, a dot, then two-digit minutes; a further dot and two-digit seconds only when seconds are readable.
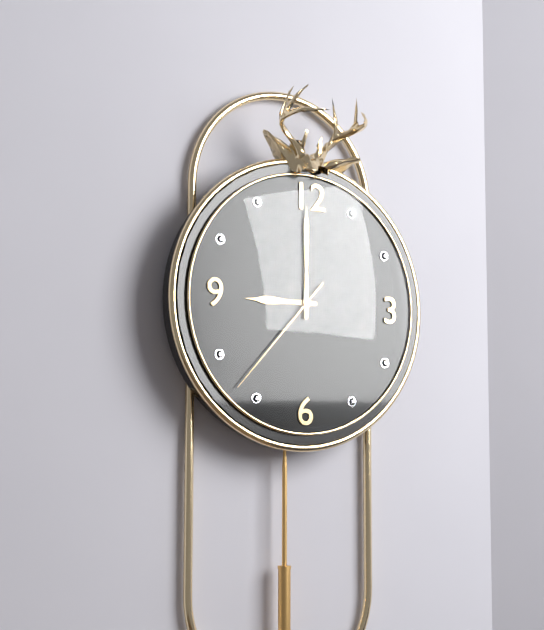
9.00.37
